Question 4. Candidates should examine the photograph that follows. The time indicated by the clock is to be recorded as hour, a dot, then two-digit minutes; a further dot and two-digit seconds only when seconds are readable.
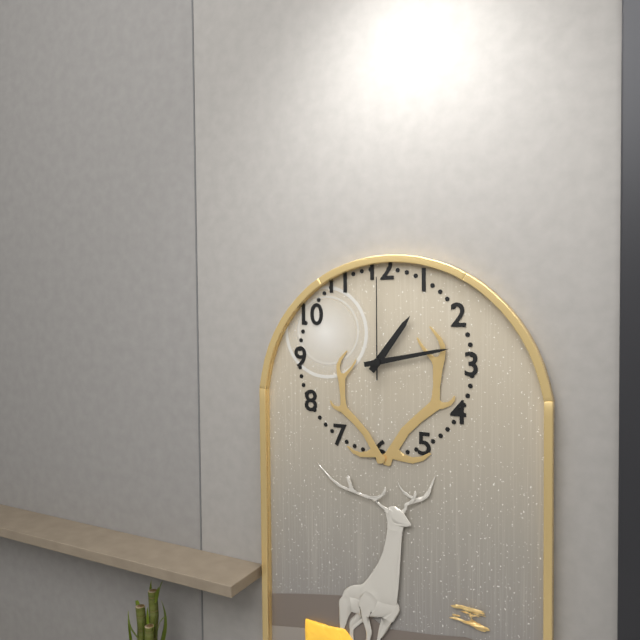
1.13.00
